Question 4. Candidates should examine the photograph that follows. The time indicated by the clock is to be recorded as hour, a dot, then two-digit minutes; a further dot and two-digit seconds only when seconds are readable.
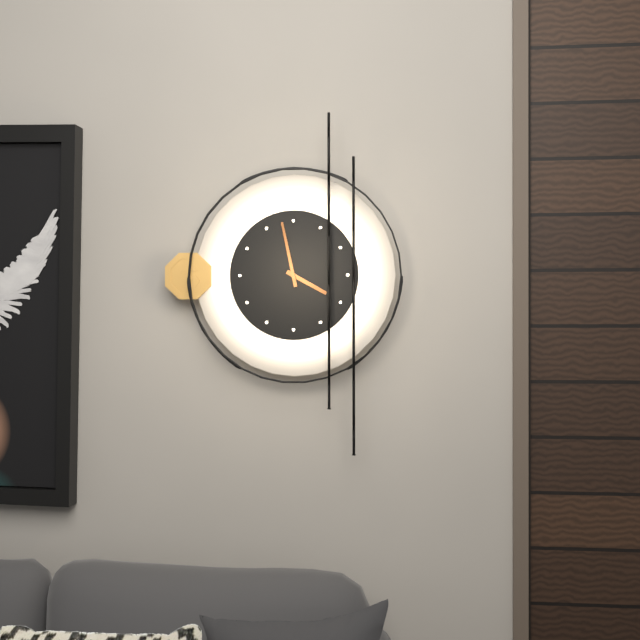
3.58
